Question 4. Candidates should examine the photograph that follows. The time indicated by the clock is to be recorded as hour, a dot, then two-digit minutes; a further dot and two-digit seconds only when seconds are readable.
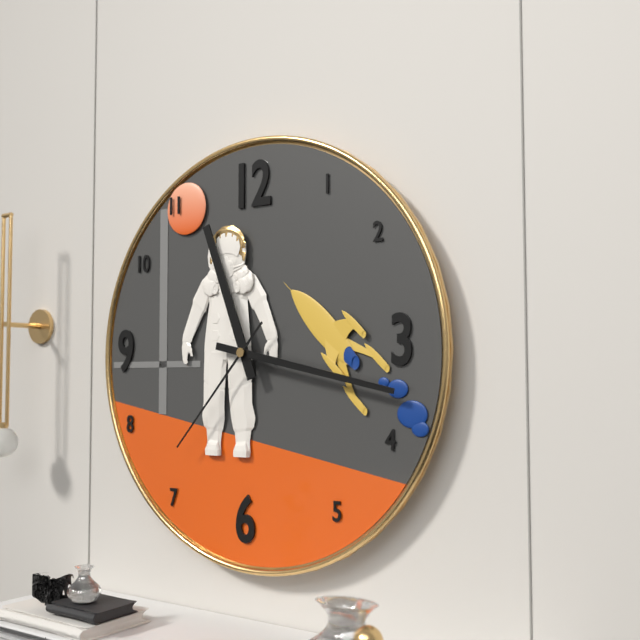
11.17.37
